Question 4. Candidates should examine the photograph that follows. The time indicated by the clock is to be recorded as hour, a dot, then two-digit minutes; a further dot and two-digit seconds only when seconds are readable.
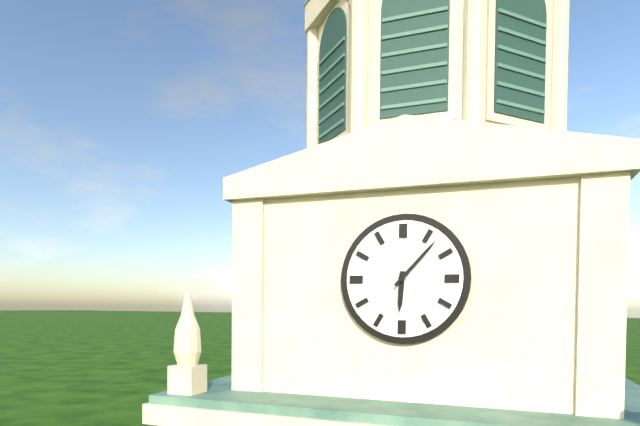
6.07
